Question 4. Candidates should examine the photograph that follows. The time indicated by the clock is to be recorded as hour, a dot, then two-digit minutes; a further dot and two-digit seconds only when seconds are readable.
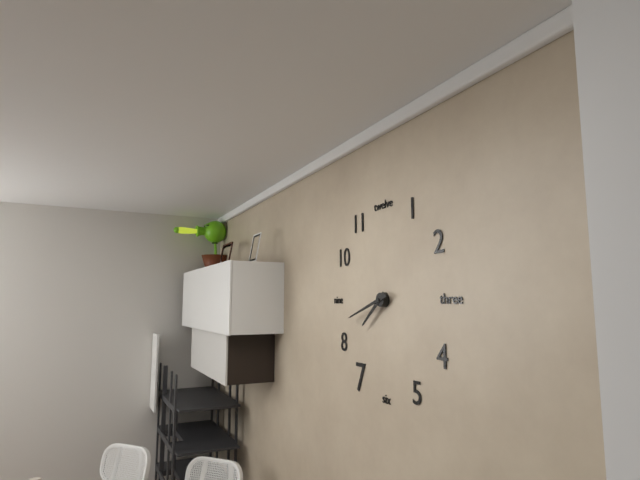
7.42
